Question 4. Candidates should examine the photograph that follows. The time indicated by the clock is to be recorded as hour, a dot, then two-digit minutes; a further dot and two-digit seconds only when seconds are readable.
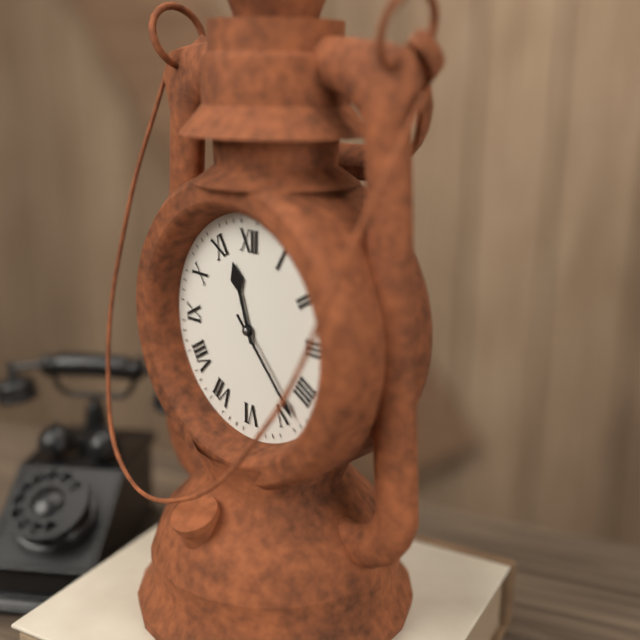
11.23
